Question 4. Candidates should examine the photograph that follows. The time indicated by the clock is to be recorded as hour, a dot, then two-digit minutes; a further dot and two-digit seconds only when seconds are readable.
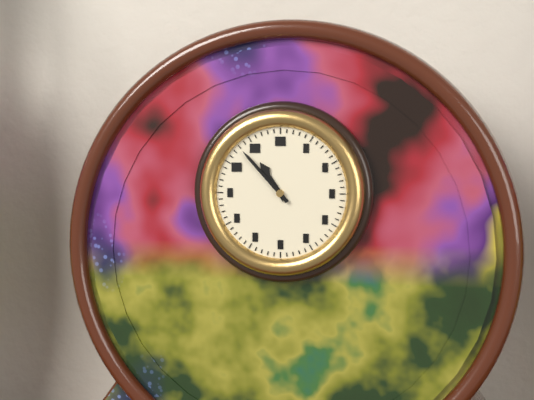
10.53
